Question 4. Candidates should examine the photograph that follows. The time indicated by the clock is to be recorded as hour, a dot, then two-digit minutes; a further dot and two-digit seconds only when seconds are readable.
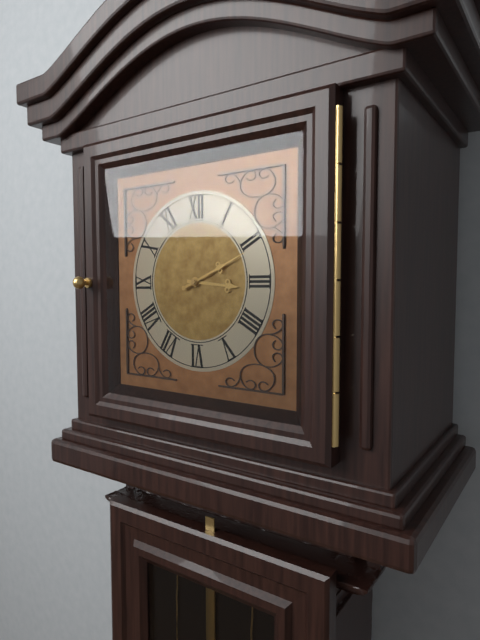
3.11
